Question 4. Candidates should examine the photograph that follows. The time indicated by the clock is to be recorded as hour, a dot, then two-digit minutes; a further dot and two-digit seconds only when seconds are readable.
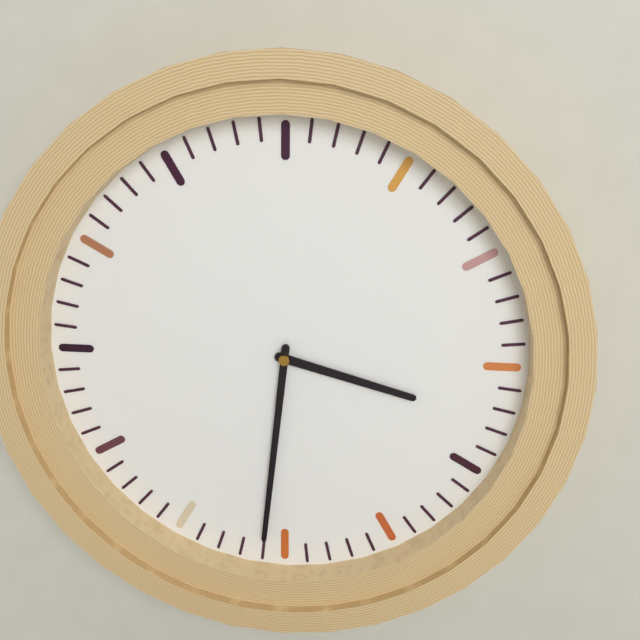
3.31
